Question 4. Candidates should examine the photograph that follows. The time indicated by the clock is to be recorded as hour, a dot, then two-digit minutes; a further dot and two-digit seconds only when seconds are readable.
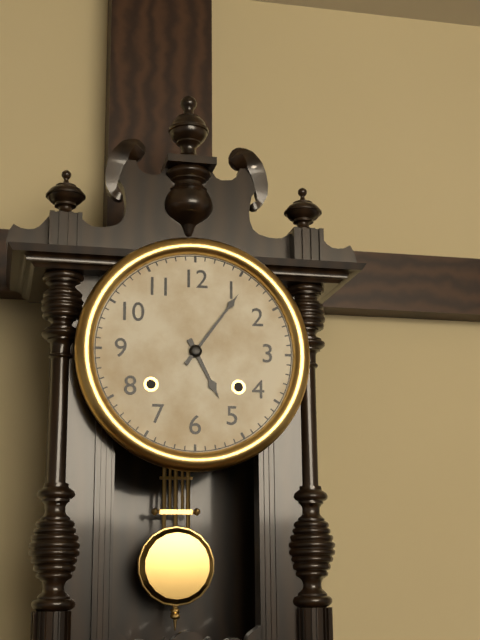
5.06
